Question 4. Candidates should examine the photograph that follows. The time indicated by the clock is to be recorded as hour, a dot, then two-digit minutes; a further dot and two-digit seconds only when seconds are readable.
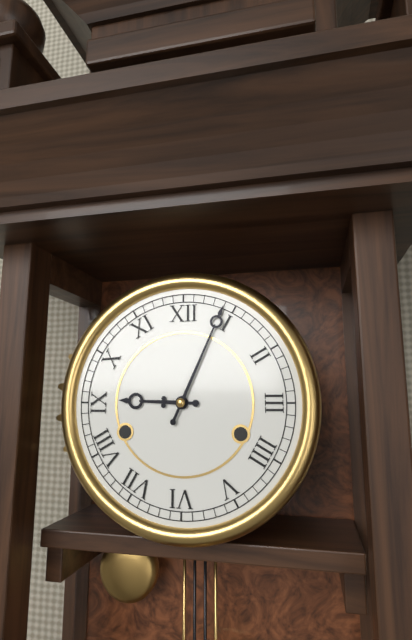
9.04
